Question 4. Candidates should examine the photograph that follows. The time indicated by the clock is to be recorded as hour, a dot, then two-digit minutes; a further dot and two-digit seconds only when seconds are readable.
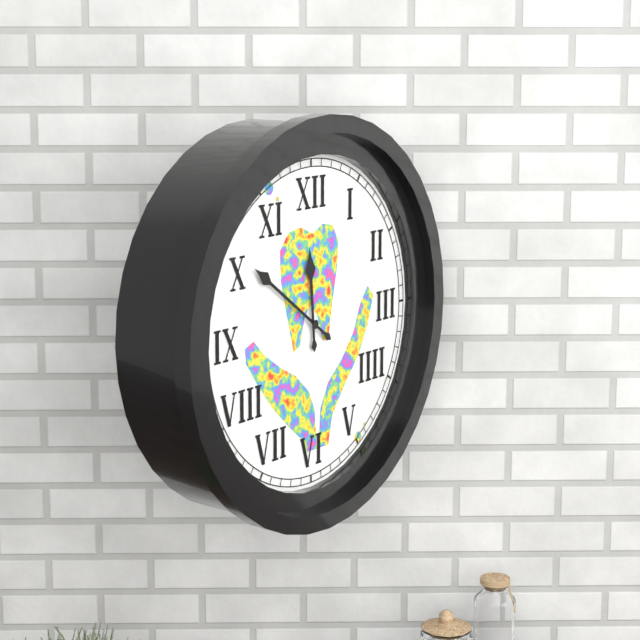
11.51
